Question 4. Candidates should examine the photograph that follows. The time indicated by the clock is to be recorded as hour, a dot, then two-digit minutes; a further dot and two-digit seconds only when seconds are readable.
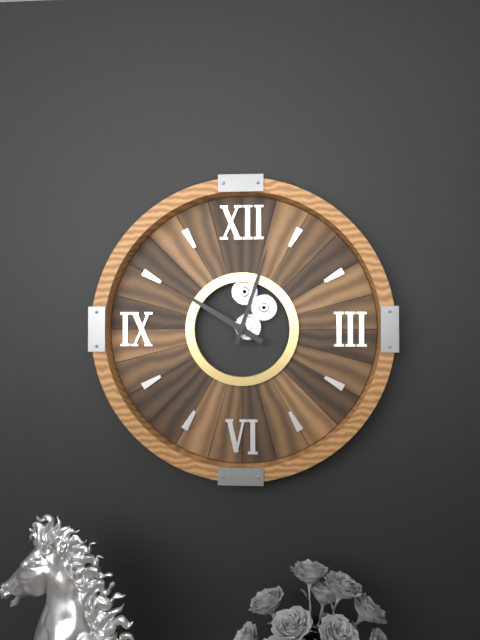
10.03
